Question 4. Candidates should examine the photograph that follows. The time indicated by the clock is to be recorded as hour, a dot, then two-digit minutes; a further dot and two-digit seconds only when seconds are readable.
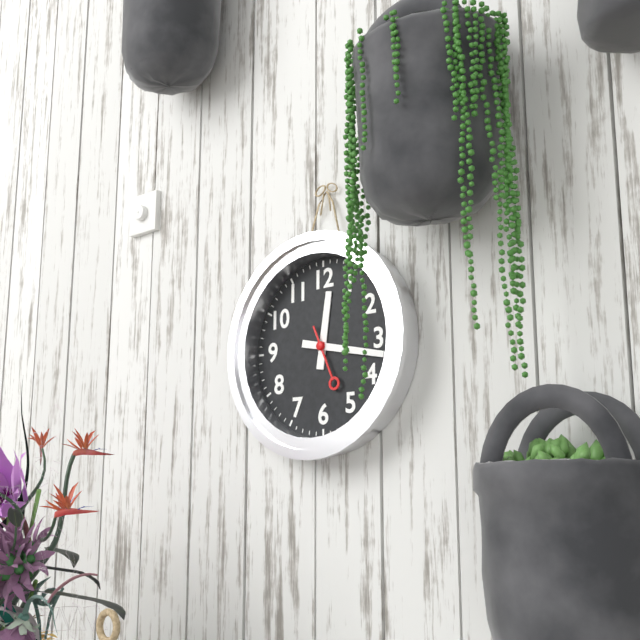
12.17.26
